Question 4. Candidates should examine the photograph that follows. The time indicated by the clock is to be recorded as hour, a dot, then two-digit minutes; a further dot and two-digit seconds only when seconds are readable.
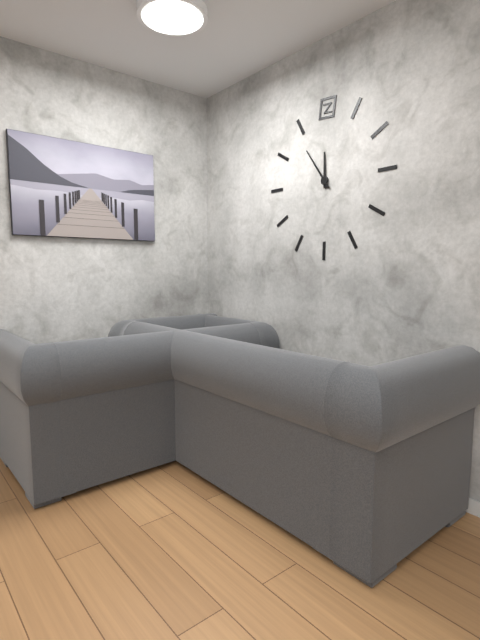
11.54
